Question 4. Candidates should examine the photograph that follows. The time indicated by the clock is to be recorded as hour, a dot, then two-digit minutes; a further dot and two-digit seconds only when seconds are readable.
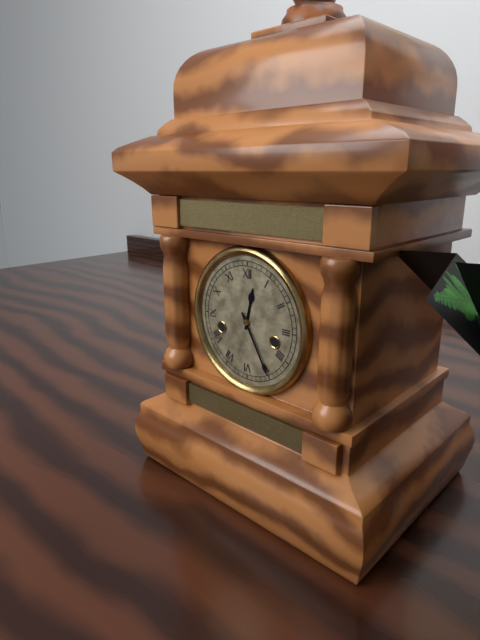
12.25
